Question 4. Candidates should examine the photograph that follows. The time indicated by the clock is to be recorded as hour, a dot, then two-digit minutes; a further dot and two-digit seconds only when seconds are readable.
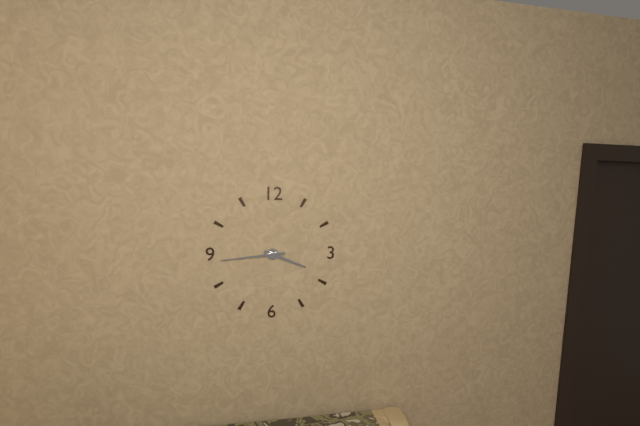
3.44
